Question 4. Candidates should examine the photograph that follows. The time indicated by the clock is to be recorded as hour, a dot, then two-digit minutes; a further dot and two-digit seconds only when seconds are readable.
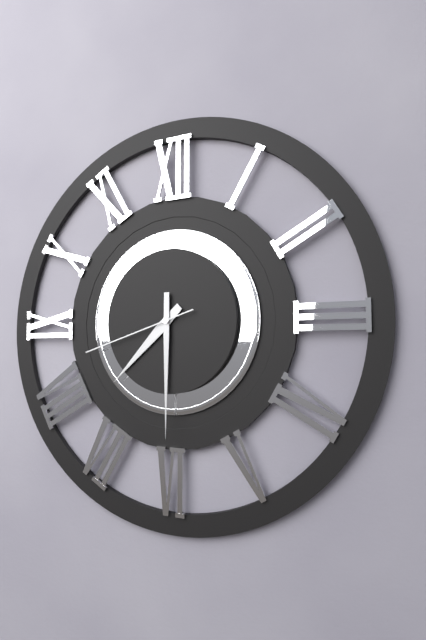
7.30.42
